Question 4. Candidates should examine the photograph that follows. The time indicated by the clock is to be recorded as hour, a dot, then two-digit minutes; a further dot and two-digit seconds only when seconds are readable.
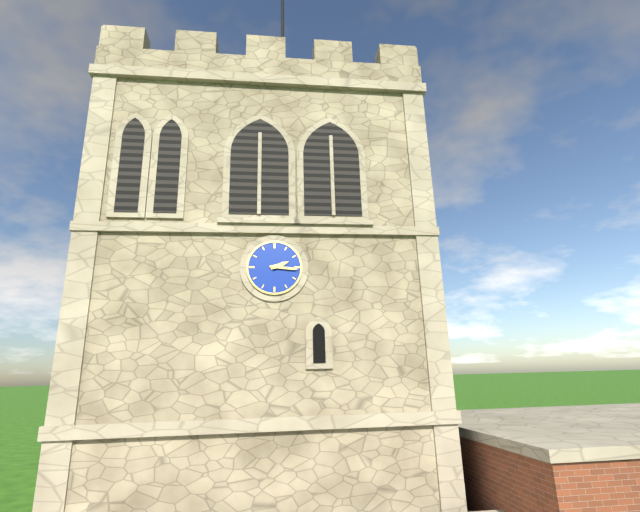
2.16
